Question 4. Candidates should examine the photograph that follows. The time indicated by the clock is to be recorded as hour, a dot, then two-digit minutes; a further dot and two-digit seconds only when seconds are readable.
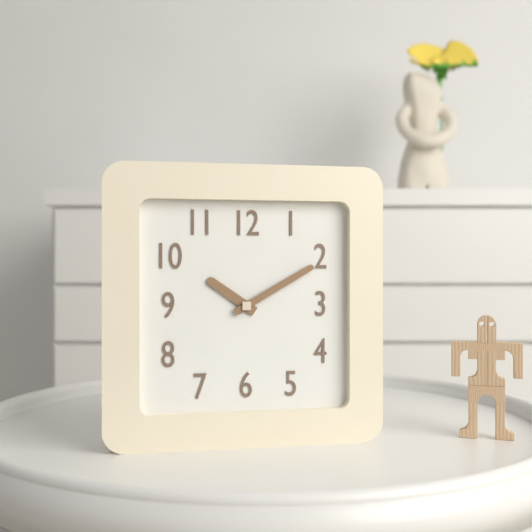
10.10
